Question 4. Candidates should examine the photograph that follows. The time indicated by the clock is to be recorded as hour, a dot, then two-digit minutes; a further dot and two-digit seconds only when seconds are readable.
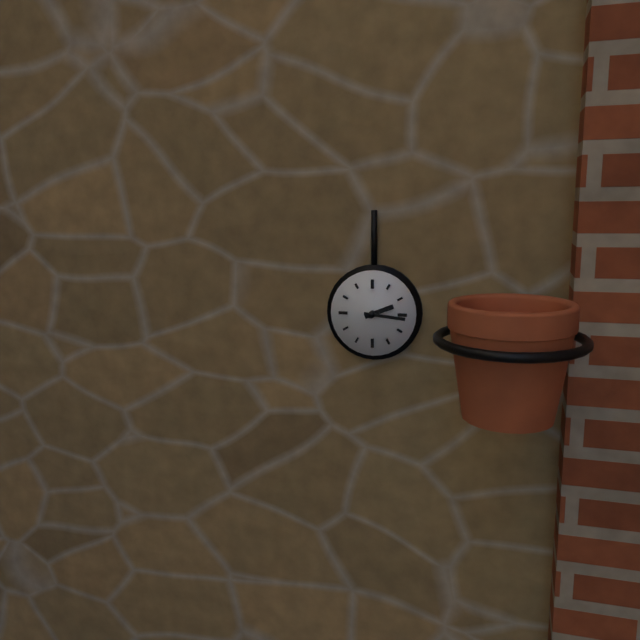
2.16
